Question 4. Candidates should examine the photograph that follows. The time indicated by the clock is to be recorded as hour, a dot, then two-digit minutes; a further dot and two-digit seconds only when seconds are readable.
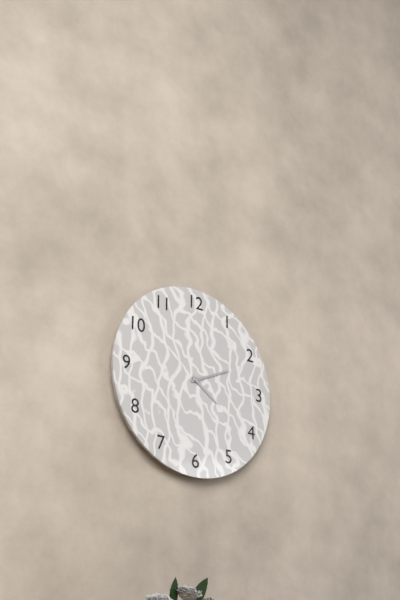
4.11
